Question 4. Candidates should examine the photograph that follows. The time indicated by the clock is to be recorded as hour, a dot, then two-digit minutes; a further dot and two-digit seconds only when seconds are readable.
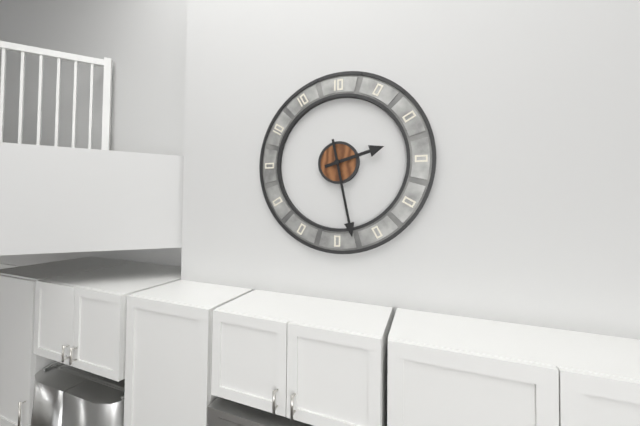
2.28
